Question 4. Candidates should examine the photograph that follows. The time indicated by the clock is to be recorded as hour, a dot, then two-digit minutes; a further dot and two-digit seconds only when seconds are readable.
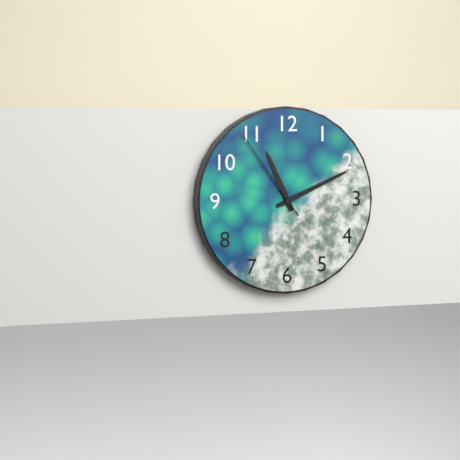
11.11.54
